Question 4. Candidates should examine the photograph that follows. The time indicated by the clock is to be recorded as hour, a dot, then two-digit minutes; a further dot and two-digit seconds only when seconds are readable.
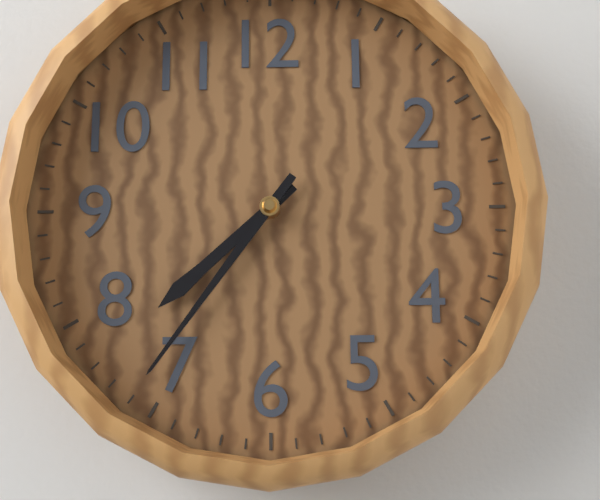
7.36
